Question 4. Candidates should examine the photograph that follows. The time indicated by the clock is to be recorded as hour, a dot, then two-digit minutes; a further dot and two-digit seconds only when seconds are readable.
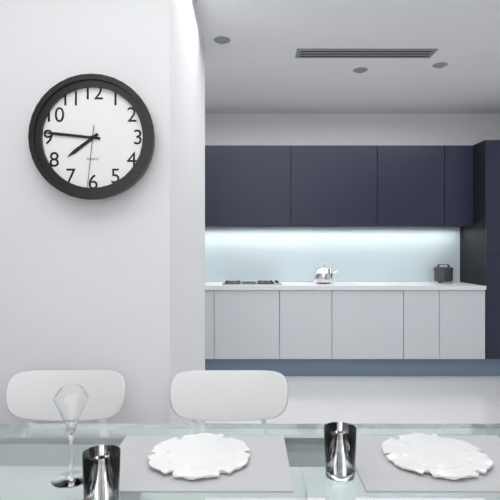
7.46.31
